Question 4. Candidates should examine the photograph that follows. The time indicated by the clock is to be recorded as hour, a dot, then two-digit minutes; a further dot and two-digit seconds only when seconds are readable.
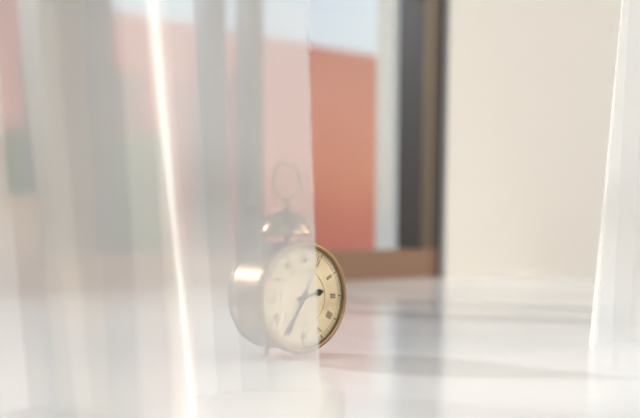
2.35.04
